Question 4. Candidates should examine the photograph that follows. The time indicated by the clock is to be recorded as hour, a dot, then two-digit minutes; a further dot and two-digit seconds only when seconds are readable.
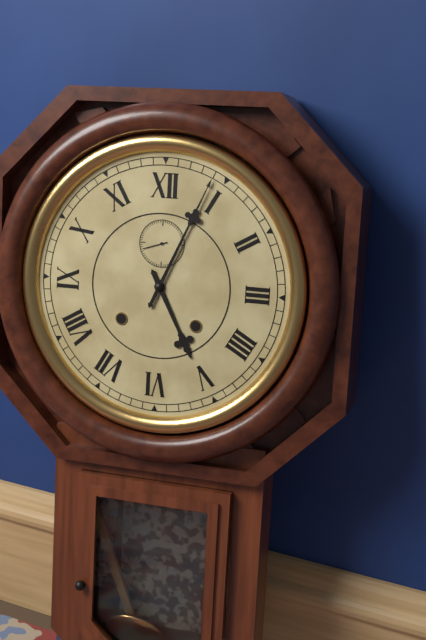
5.04
